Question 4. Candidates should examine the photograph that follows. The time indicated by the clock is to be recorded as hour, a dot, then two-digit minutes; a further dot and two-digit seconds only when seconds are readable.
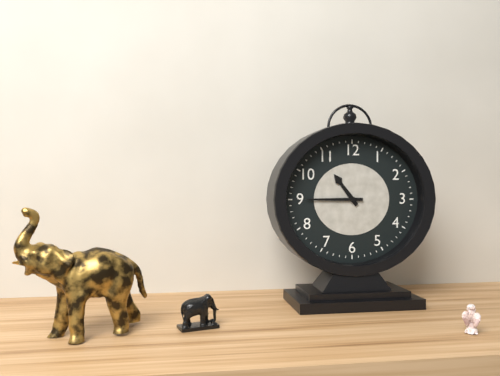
10.45
